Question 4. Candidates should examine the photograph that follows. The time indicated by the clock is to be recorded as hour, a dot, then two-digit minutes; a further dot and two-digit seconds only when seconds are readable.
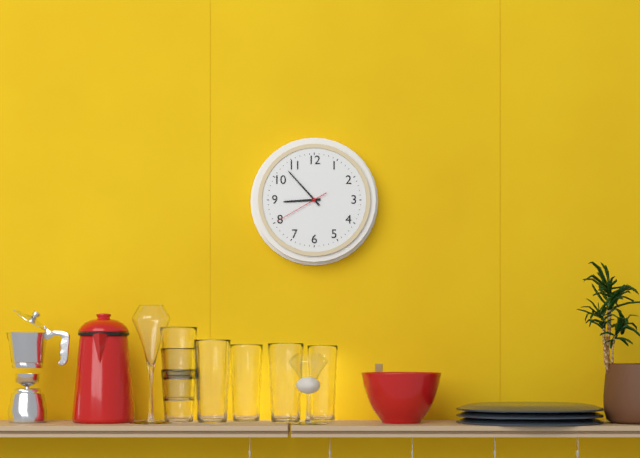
8.53.40
